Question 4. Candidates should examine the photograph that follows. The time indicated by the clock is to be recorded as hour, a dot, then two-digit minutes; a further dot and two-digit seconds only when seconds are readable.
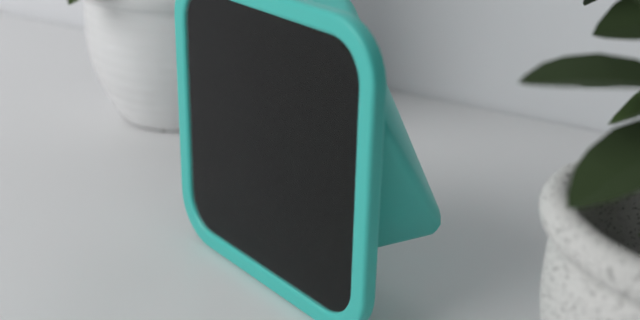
11.28.06
